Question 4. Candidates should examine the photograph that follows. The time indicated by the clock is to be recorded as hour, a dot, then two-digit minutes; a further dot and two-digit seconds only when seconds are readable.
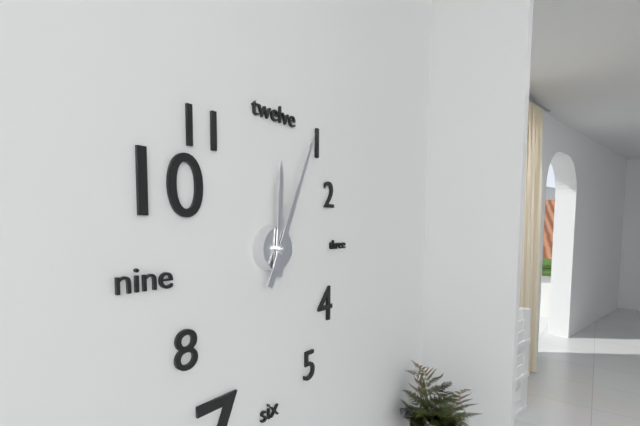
12.04
